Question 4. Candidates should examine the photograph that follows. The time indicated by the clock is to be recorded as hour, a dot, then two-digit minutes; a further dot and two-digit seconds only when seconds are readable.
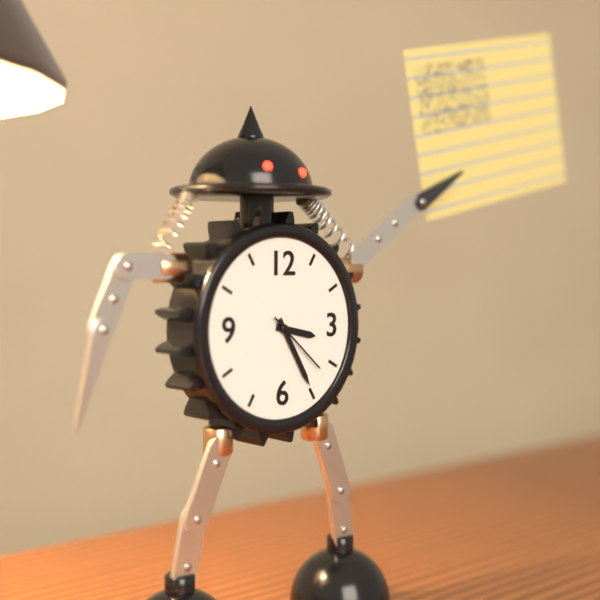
3.25.22
